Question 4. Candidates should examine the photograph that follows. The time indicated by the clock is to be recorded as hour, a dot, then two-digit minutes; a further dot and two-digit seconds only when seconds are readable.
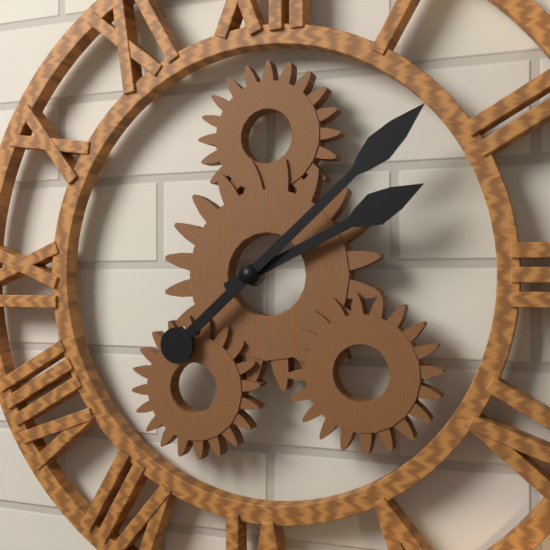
2.08
